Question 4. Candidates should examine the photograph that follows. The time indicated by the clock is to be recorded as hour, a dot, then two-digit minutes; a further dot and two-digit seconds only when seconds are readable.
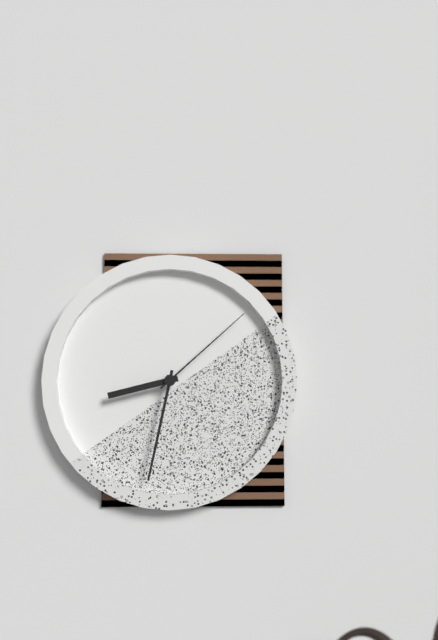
8.32.08
